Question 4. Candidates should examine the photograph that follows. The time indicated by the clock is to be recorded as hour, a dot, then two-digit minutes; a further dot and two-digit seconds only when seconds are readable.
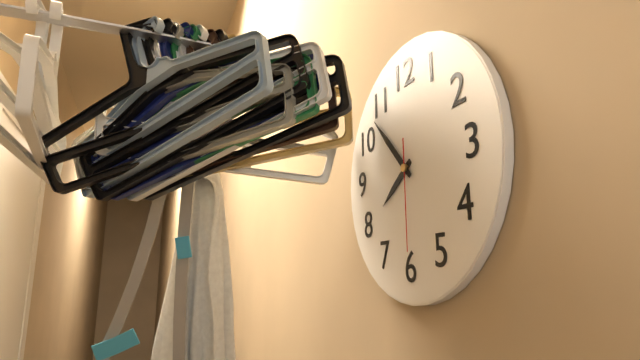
7.53.30
